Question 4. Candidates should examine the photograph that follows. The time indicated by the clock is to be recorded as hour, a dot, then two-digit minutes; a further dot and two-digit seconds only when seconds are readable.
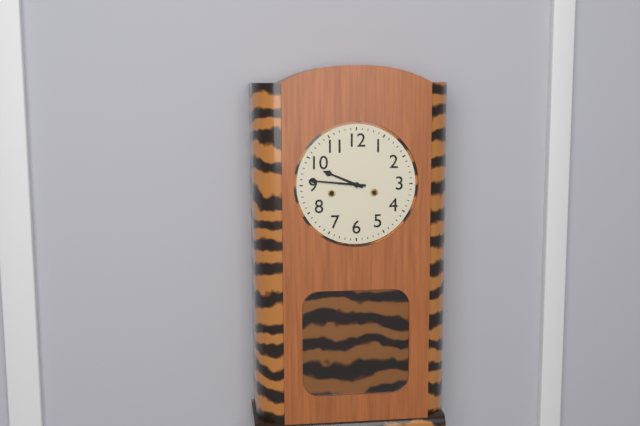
9.46
